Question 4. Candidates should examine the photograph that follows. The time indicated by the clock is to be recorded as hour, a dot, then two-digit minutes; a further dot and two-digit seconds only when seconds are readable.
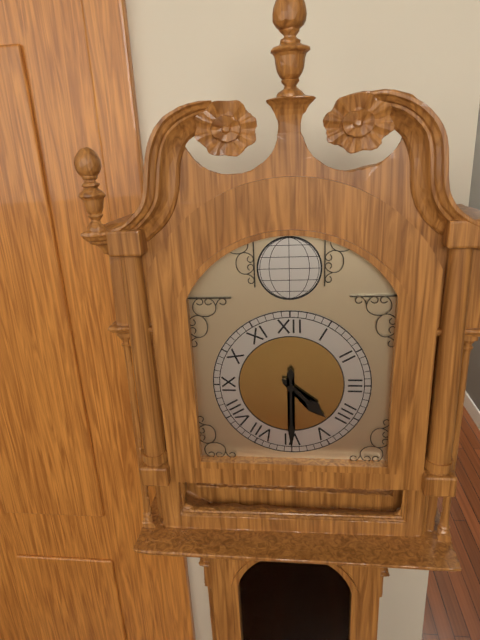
4.30
